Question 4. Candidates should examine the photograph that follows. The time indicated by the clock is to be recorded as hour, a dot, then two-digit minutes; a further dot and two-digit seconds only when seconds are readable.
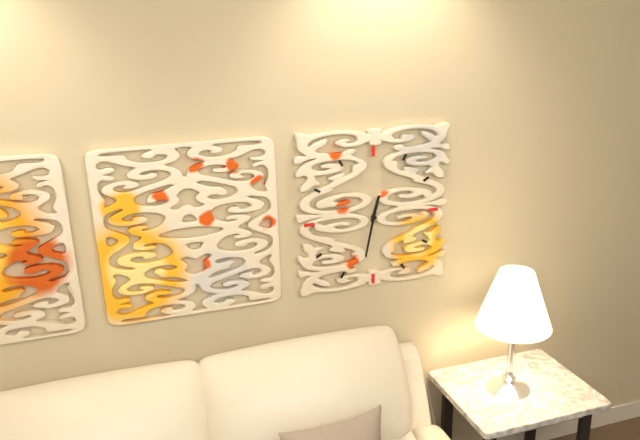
12.32
